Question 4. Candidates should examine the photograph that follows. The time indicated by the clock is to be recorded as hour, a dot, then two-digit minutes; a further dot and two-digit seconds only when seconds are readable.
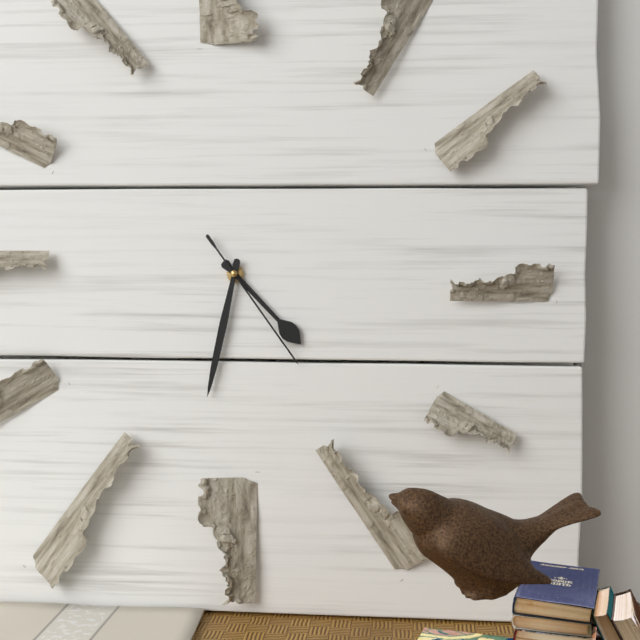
4.32.24
